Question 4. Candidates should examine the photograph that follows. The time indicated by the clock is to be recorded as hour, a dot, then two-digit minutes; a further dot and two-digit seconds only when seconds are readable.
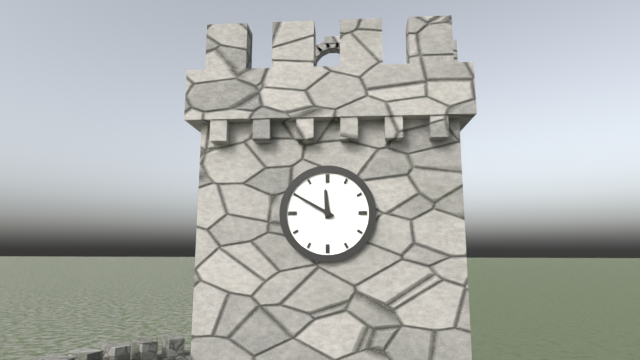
11.50
